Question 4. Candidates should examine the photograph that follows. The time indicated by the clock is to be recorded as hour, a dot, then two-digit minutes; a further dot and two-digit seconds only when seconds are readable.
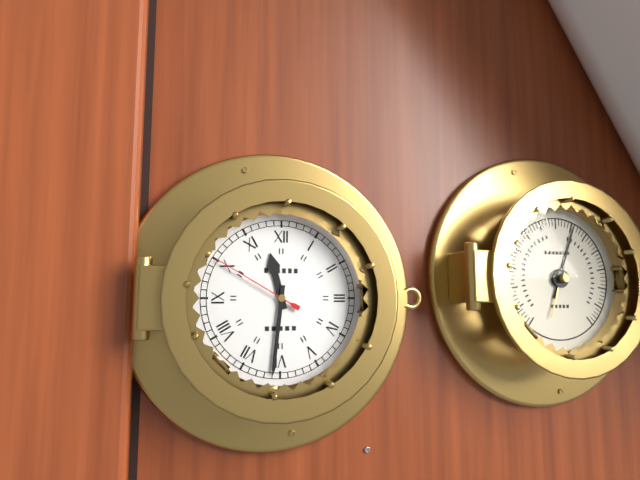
11.31.50
